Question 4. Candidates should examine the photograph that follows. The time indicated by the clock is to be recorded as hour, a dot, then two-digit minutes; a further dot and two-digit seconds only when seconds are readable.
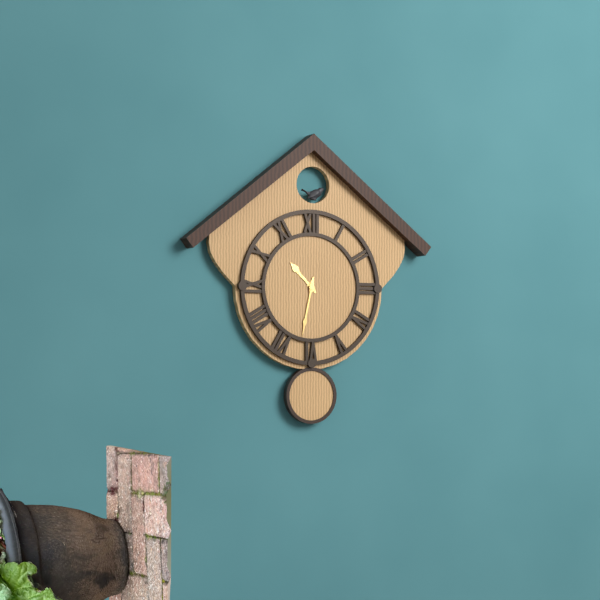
10.32
